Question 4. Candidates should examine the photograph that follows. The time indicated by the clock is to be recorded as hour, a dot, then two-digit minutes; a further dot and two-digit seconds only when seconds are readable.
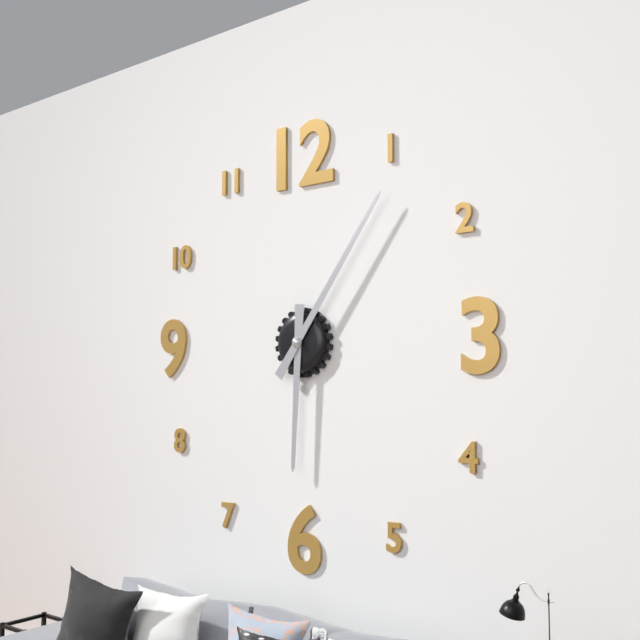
6.06
